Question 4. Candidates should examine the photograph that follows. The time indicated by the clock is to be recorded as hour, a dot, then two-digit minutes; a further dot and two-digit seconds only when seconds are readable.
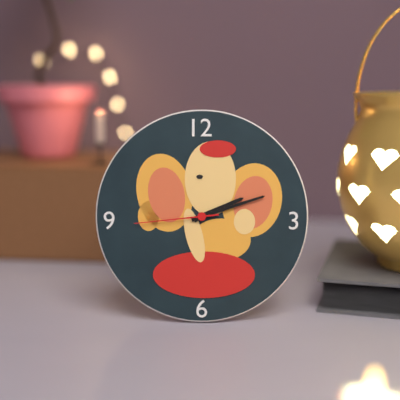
2.12.44
